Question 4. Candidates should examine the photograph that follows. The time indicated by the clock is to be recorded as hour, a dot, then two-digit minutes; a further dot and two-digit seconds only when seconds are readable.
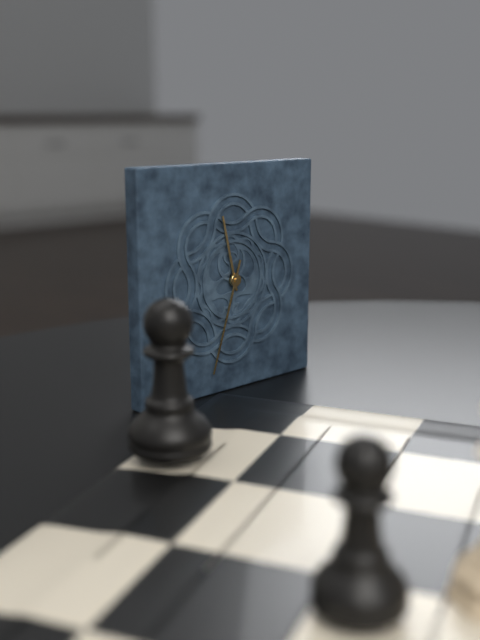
11.33
